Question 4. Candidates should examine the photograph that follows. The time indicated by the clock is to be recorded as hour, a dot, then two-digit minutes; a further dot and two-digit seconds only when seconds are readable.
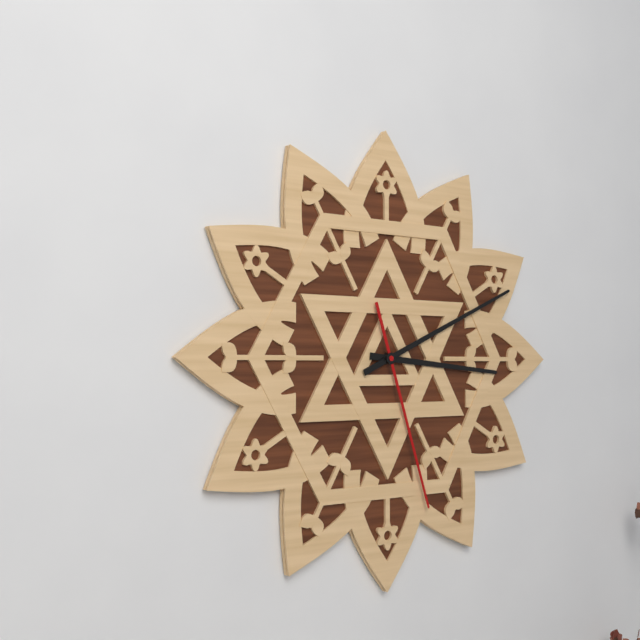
3.11.27
